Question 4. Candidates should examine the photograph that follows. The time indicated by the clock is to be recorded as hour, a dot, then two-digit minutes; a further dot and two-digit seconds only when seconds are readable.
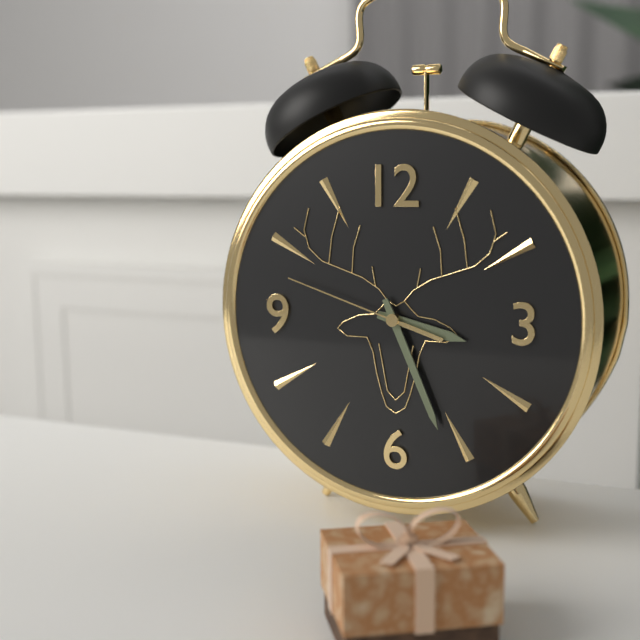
3.26.48
